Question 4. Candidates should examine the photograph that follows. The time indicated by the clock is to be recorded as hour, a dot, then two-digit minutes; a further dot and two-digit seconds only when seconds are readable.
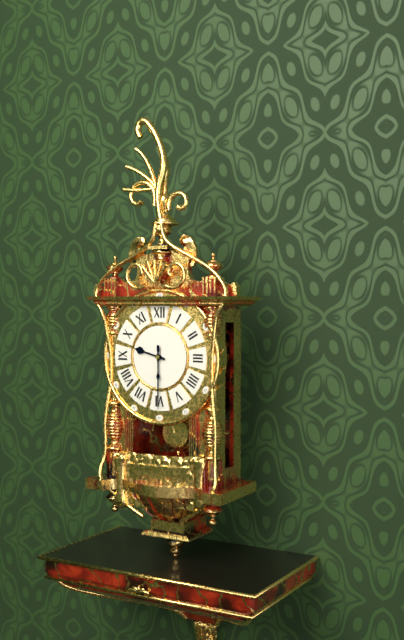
9.30
